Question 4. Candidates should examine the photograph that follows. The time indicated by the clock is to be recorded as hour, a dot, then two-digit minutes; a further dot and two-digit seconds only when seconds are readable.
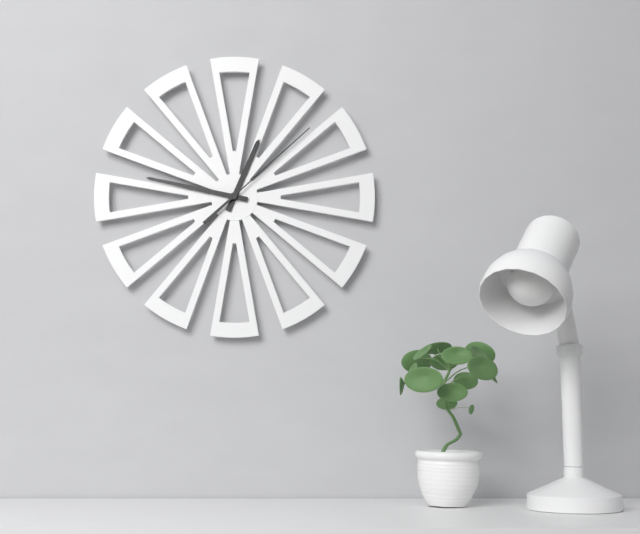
12.47.08
